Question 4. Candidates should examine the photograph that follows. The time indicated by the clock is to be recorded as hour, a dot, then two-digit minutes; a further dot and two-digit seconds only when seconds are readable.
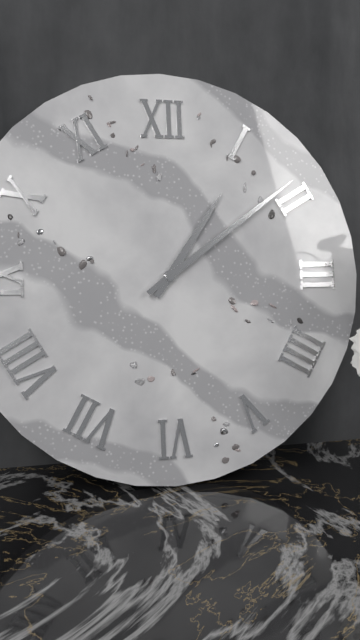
1.09
